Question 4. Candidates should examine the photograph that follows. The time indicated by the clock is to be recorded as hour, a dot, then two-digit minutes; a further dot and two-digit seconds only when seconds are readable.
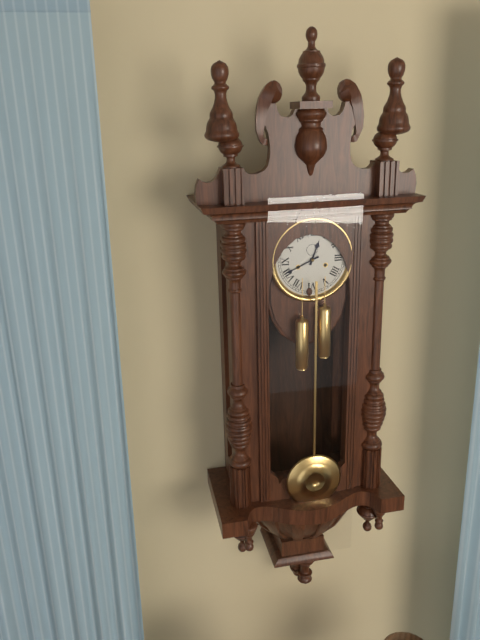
12.41
